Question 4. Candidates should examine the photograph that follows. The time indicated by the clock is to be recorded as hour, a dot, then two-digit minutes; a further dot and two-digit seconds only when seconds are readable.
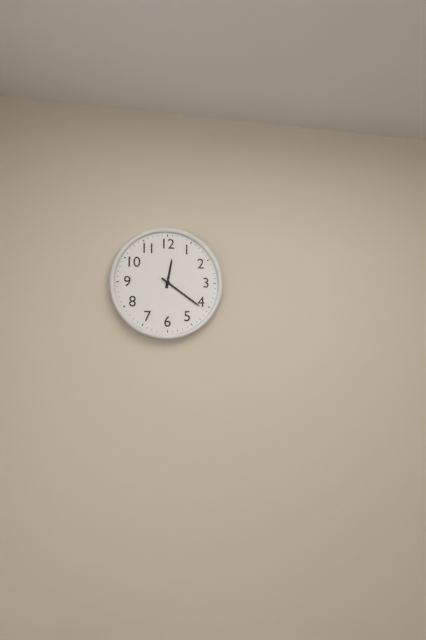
12.21
